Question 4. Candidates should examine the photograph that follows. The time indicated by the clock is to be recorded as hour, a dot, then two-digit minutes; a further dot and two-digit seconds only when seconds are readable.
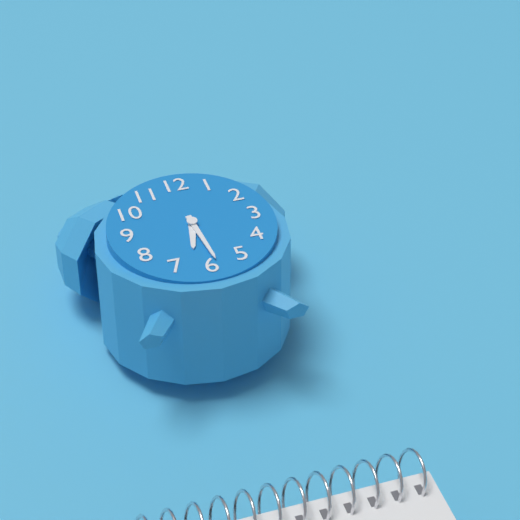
6.29
